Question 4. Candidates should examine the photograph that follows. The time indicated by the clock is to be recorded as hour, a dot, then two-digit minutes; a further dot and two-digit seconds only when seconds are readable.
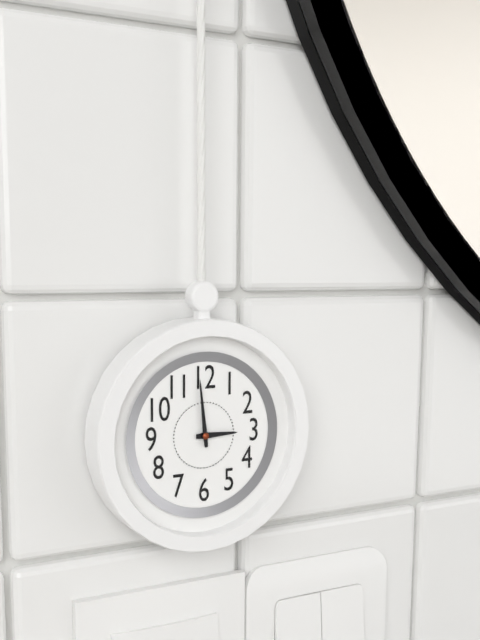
2.59
